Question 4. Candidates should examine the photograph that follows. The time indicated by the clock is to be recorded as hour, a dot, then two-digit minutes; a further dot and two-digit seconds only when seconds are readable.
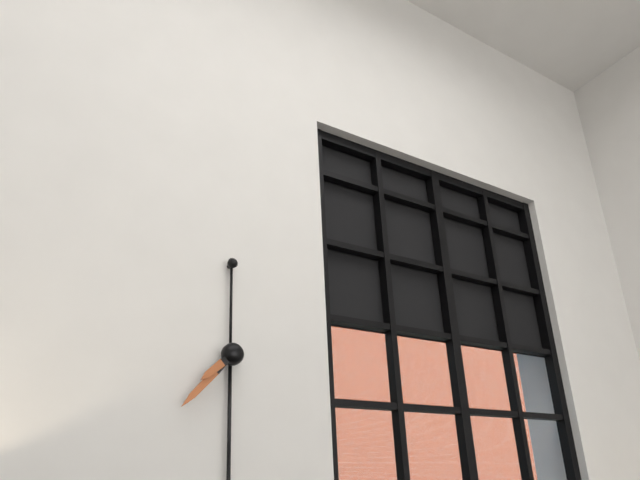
7.37
